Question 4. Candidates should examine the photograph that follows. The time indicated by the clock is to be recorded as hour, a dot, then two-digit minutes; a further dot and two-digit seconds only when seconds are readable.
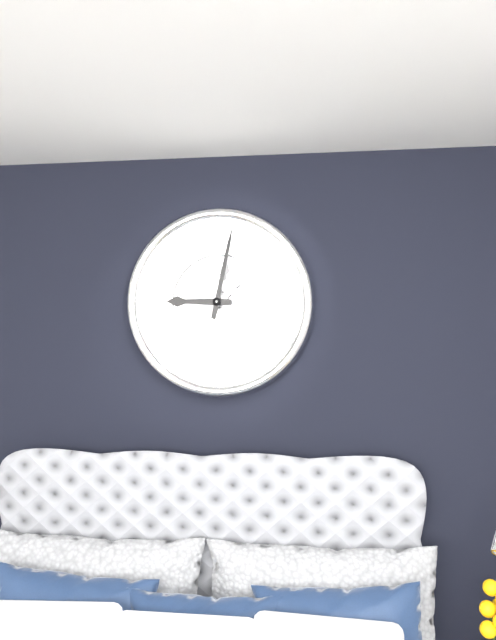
9.02
